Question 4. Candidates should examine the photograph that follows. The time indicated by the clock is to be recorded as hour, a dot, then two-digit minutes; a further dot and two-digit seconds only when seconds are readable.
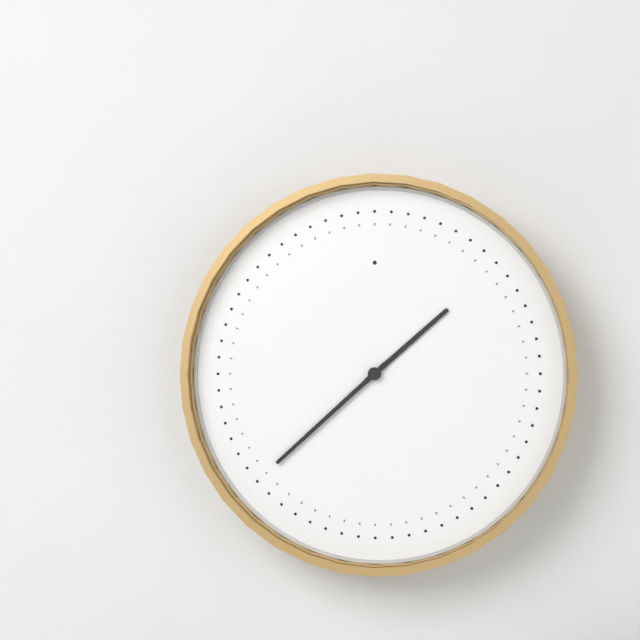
1.38
